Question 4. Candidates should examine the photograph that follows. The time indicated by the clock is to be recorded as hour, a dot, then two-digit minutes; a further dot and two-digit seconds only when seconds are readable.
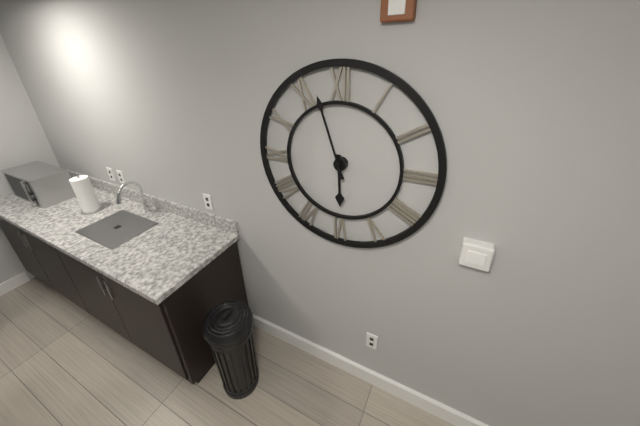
5.57
